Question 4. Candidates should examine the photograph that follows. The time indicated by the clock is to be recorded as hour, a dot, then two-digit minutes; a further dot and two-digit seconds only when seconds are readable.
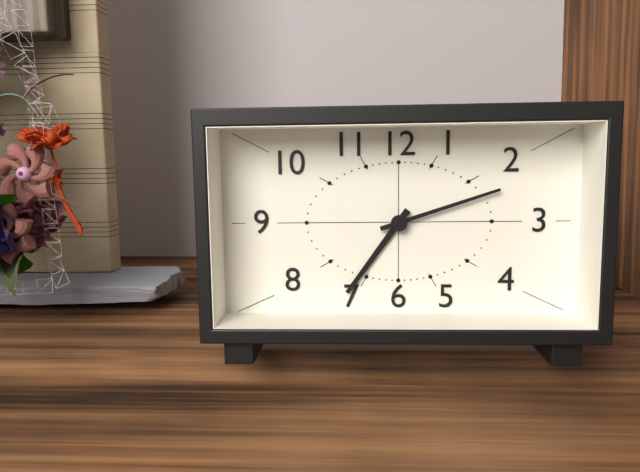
7.12
